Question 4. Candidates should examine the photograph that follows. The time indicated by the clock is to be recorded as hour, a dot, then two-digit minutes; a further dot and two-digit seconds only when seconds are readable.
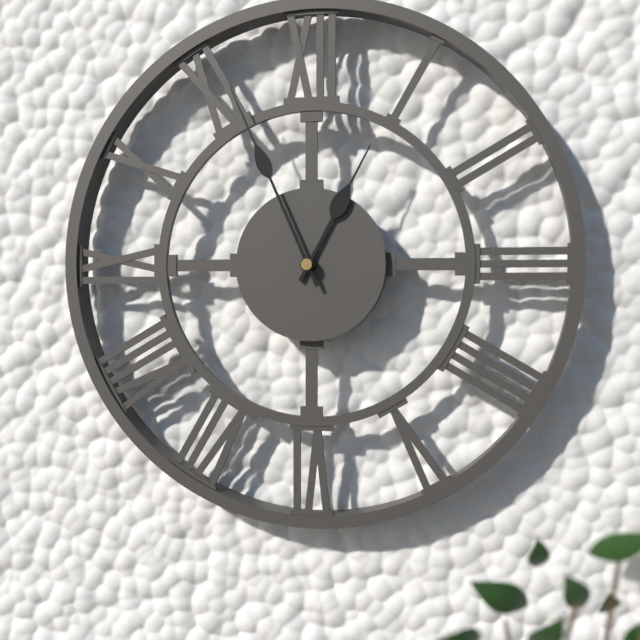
12.56
